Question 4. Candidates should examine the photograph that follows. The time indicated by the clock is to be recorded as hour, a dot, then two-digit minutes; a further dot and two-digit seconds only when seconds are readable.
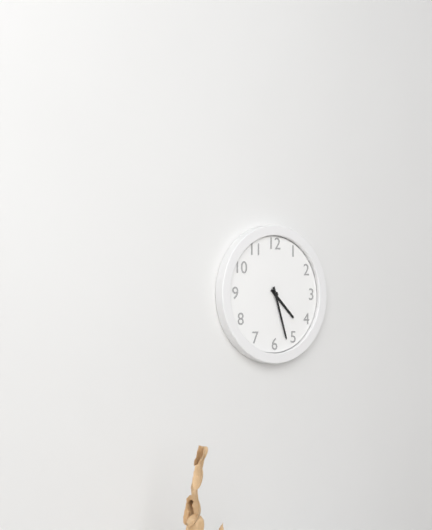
4.27
